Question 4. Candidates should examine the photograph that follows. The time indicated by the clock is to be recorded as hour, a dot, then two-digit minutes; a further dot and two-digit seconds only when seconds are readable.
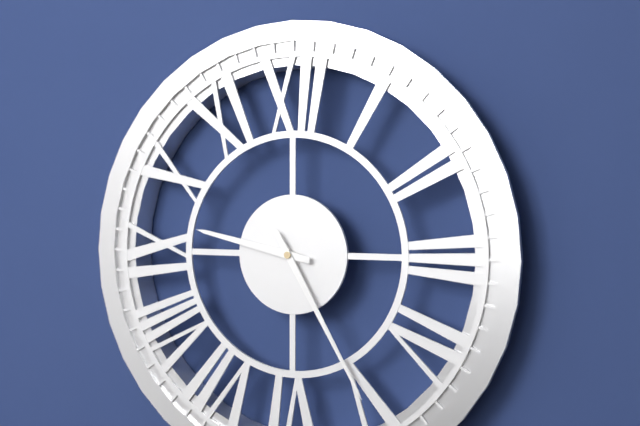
9.25
